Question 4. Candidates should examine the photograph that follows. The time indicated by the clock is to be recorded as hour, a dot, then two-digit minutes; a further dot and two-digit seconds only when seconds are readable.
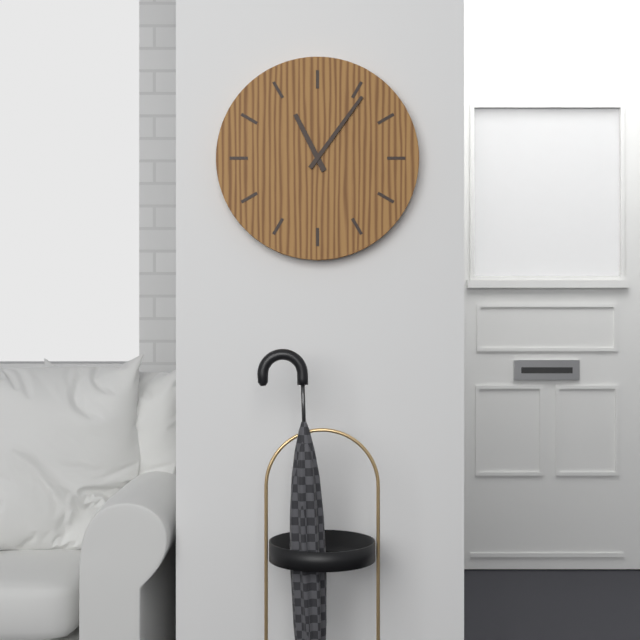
11.06
